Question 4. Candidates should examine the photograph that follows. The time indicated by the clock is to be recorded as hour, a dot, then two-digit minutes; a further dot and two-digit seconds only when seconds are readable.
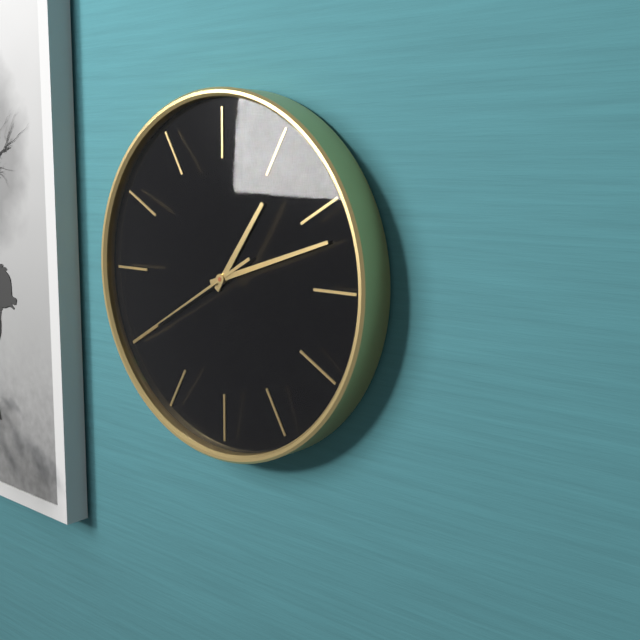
1.12.40
